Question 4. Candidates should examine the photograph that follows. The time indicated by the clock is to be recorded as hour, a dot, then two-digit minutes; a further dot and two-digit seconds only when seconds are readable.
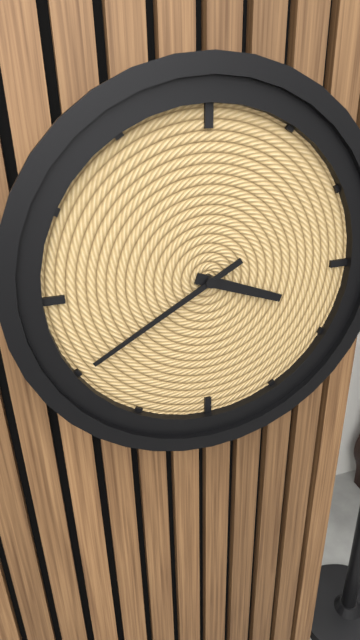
3.40
